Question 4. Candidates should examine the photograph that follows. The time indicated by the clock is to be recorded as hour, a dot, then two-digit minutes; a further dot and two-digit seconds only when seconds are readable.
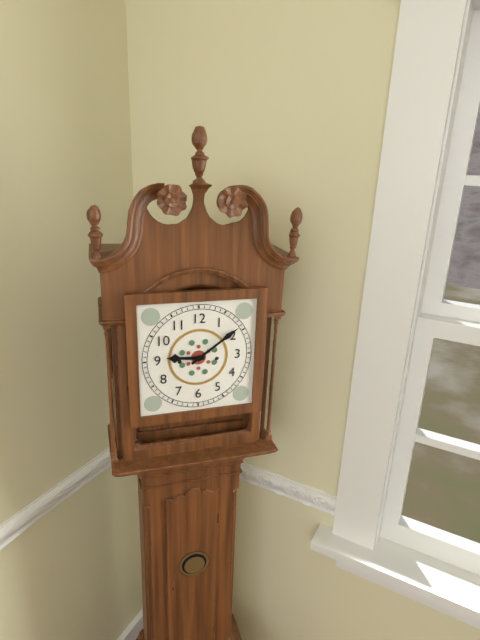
9.09
